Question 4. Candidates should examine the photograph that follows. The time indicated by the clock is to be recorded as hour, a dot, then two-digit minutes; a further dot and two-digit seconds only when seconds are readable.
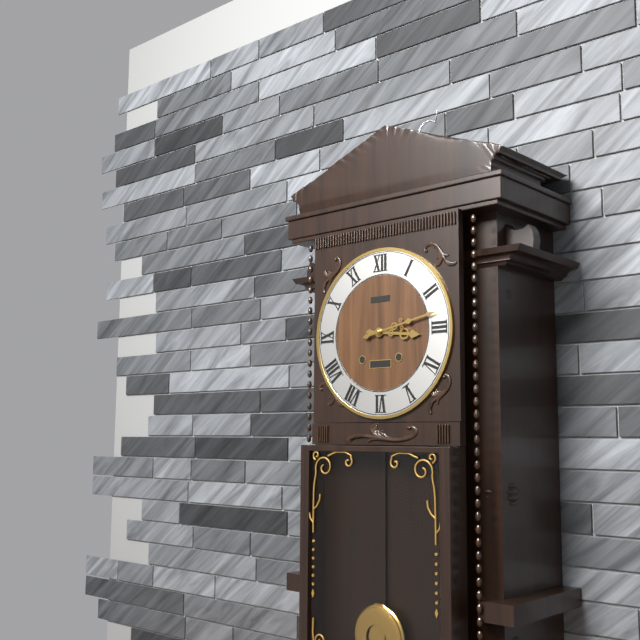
3.13
